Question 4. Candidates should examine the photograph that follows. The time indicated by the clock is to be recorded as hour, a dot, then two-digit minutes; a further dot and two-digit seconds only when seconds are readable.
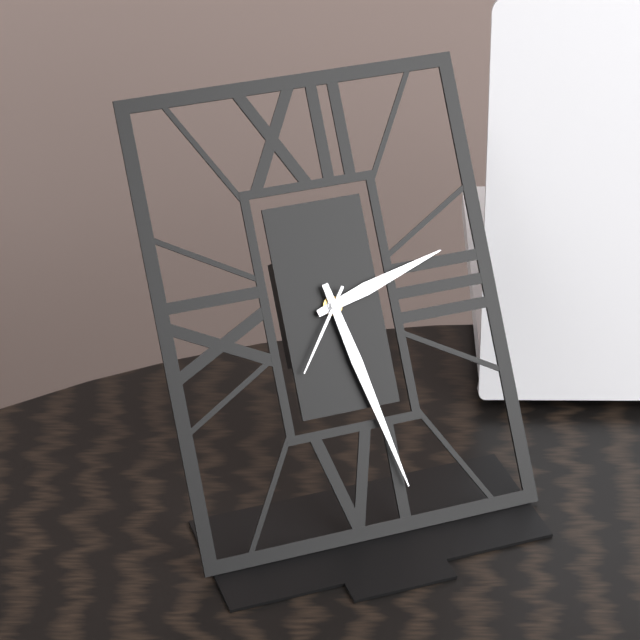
2.28.36
